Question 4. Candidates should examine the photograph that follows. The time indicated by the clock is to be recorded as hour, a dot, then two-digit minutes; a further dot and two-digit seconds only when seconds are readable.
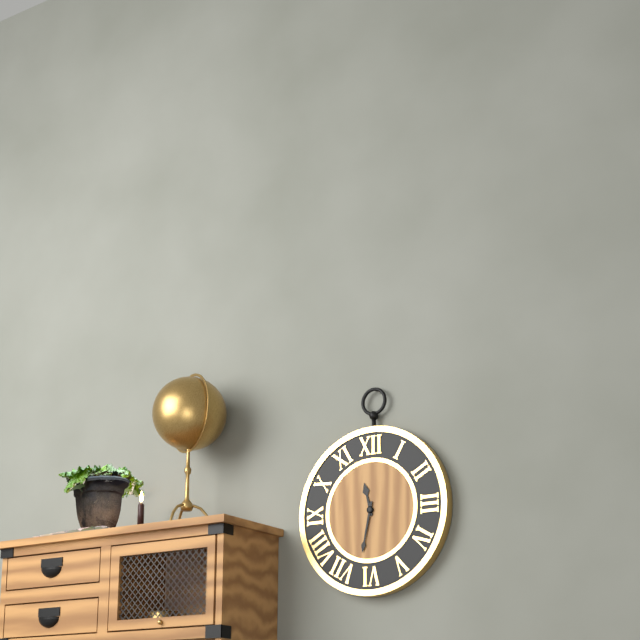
11.32
